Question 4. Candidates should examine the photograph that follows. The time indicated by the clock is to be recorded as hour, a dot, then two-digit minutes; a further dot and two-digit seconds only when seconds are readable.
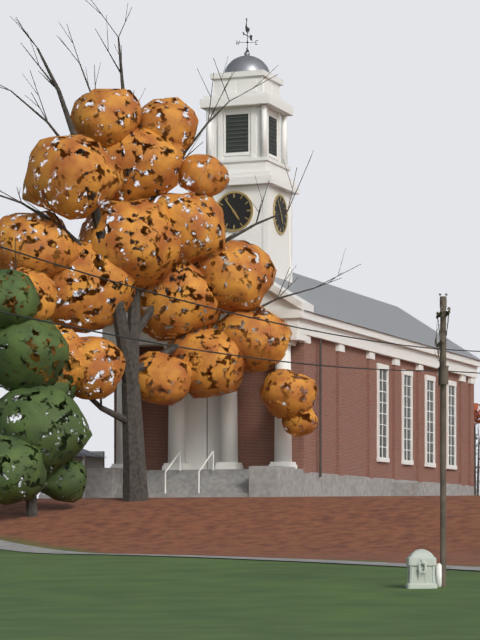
4.54
